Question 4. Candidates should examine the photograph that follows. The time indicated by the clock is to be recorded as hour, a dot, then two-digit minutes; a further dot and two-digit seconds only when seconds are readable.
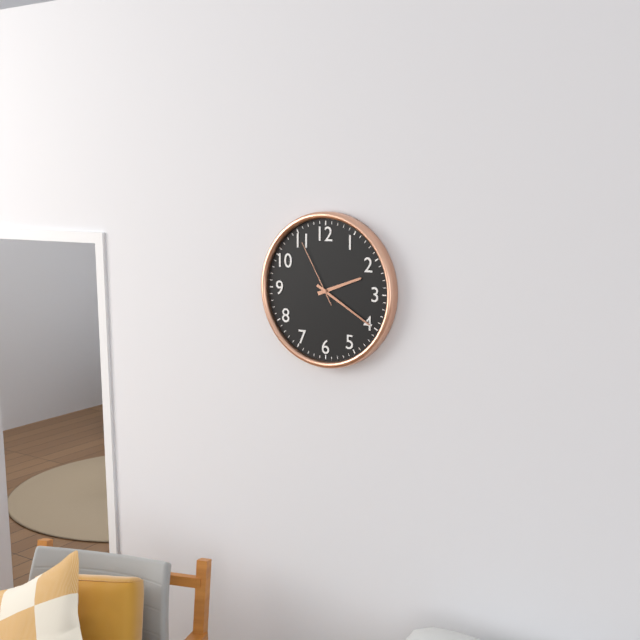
2.20.55
